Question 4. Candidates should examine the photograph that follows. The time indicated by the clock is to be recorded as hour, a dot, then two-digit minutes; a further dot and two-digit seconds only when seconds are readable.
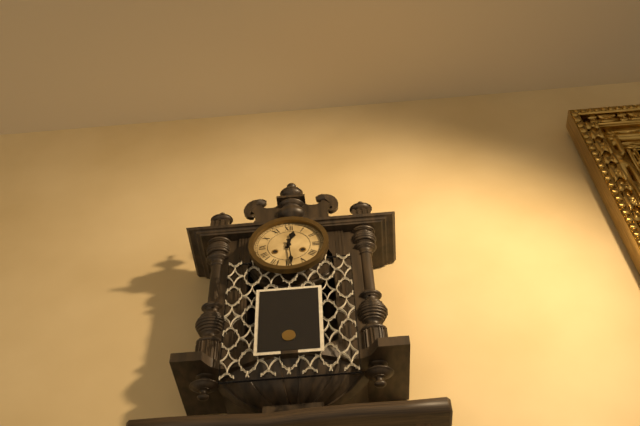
12.29
